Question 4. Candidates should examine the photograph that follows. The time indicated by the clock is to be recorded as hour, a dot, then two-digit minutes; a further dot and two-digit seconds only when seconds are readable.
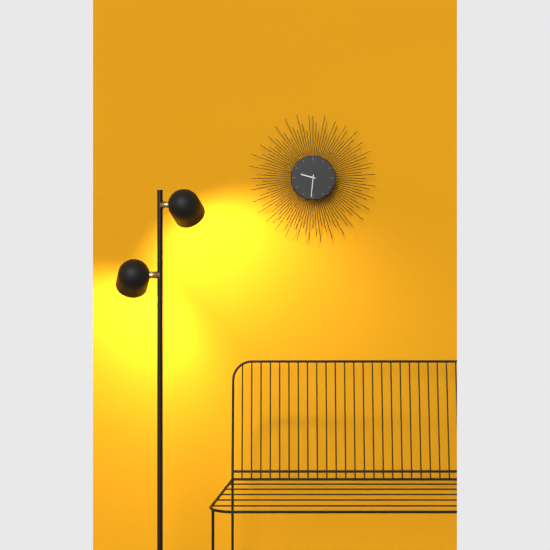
9.31
